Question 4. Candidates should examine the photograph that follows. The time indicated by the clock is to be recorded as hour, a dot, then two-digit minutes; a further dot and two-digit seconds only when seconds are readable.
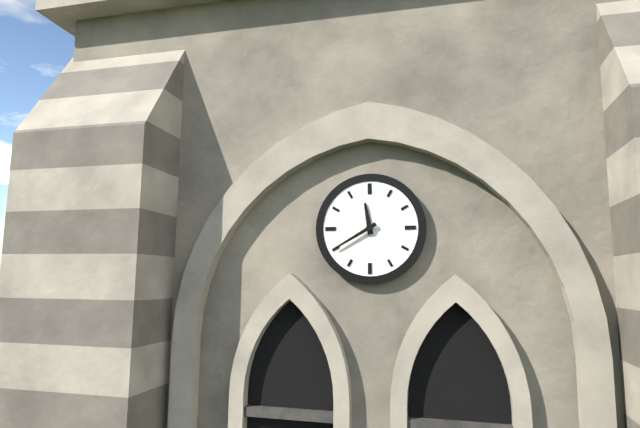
11.40
